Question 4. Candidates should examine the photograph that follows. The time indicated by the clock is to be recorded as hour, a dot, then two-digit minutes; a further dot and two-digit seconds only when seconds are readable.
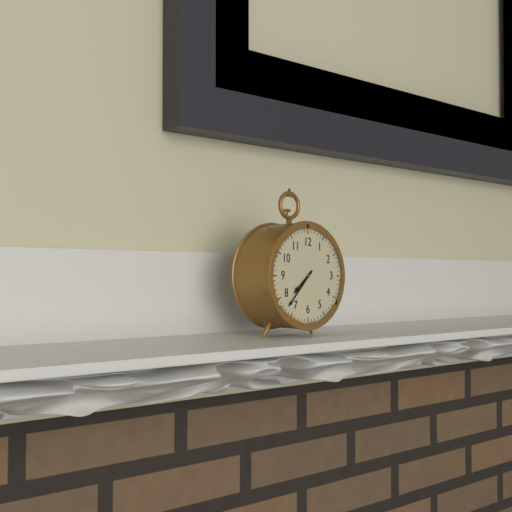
7.37
